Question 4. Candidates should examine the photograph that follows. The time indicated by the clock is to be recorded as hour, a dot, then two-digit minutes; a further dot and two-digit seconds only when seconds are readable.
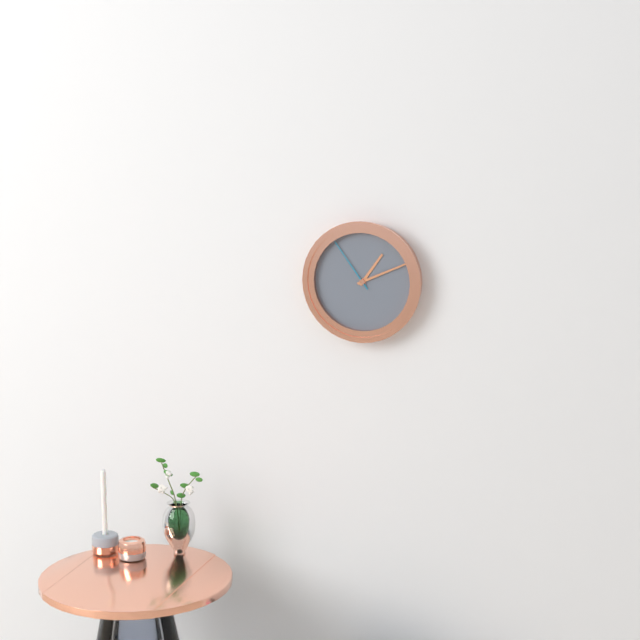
1.11.54
